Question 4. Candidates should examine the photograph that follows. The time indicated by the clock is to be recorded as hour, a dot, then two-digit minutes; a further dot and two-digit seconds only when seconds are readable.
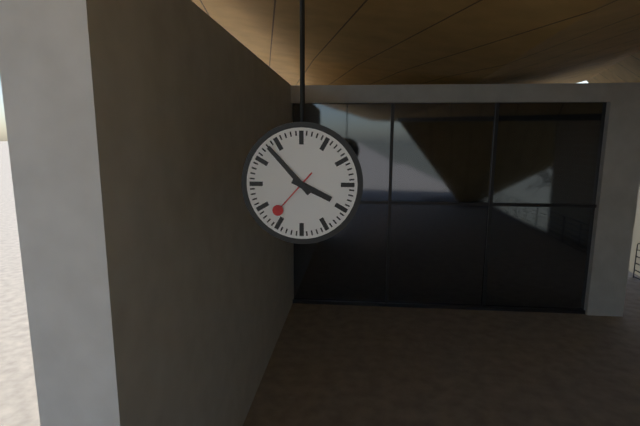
3.53.37
